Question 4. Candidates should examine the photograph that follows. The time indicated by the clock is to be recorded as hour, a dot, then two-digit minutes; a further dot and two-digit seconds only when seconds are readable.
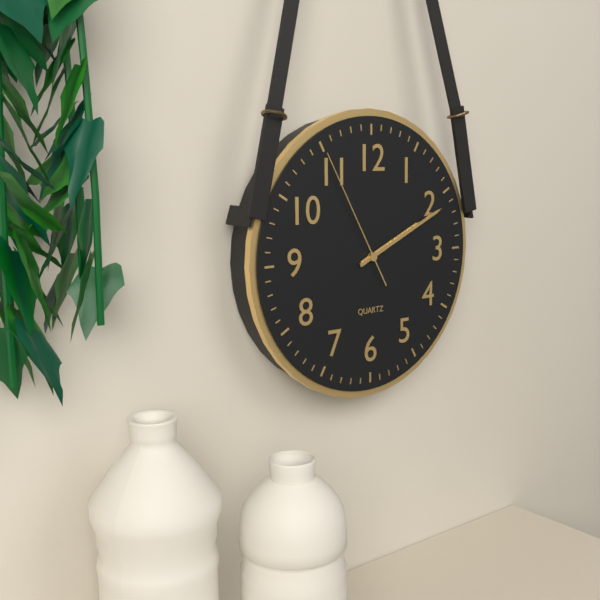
2.11.55
